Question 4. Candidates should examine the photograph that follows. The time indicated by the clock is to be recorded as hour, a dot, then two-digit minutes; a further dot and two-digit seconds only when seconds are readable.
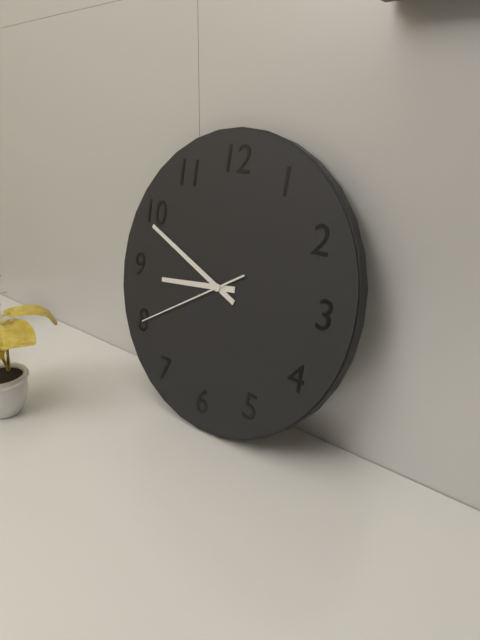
8.49.40
